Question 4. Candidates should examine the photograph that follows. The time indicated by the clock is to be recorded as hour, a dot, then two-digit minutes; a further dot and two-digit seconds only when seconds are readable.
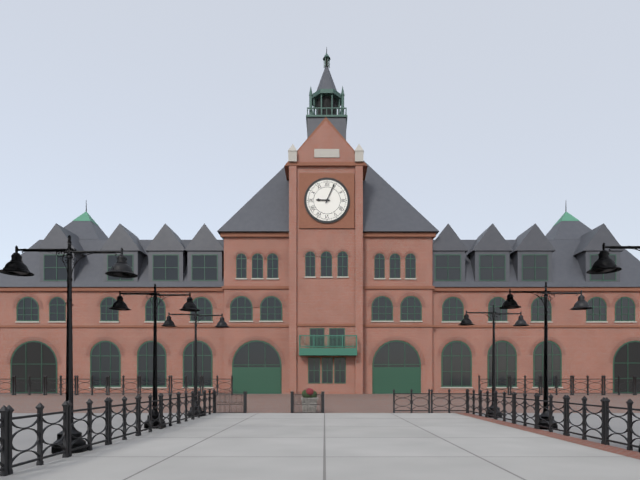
9.04
